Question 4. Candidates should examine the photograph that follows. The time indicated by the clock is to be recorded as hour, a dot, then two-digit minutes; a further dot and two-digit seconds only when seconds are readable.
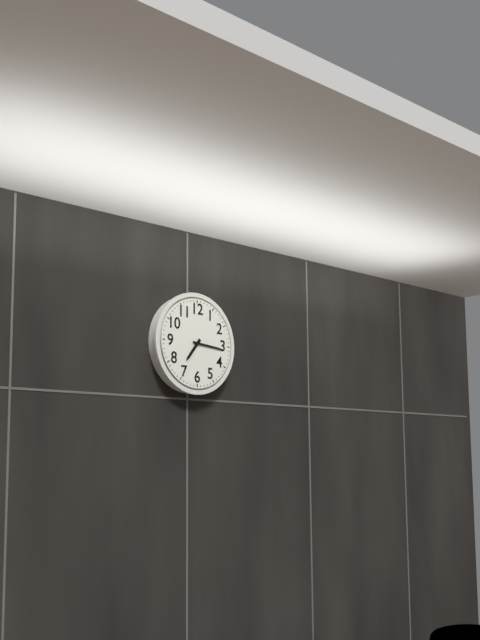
7.16
